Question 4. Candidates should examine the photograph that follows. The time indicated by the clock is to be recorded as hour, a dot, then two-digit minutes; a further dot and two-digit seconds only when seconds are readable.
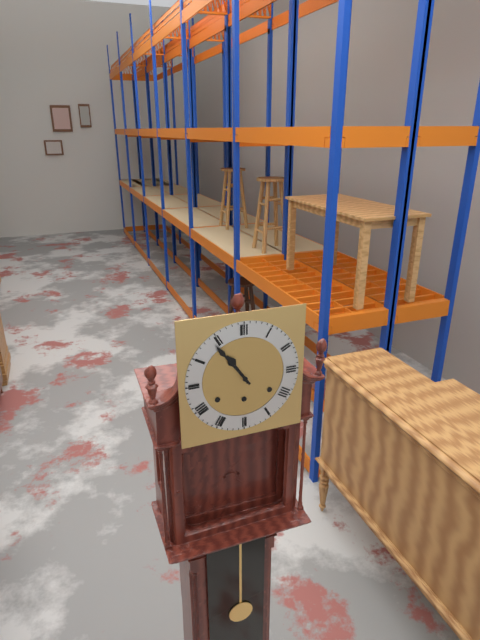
10.54
